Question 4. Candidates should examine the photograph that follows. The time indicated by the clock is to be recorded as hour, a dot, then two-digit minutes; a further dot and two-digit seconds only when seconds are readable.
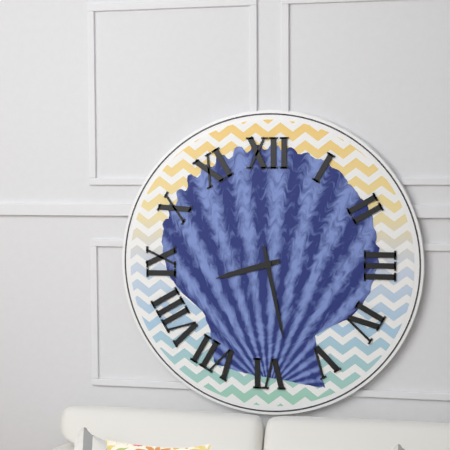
8.28
